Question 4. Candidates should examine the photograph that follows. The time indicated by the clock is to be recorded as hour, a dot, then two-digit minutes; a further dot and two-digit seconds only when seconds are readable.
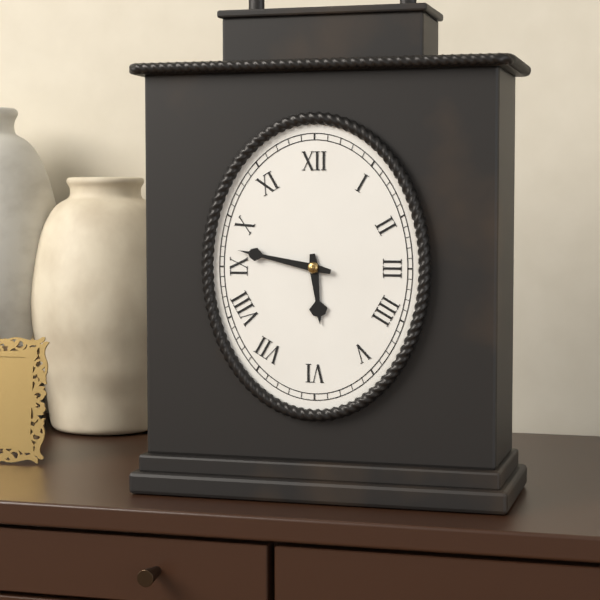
5.47
